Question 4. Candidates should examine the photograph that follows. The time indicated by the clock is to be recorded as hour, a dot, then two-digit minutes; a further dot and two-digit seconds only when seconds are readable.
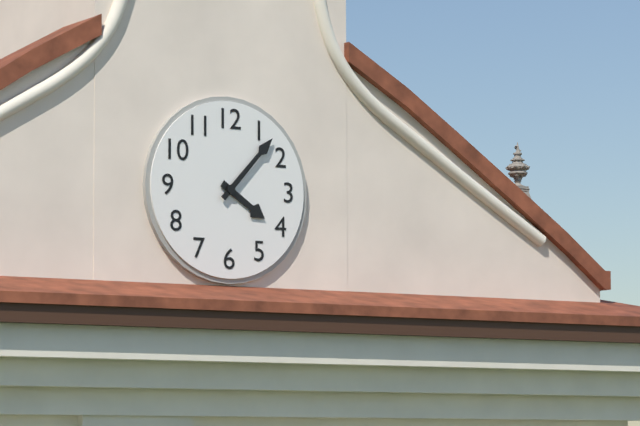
4.07
